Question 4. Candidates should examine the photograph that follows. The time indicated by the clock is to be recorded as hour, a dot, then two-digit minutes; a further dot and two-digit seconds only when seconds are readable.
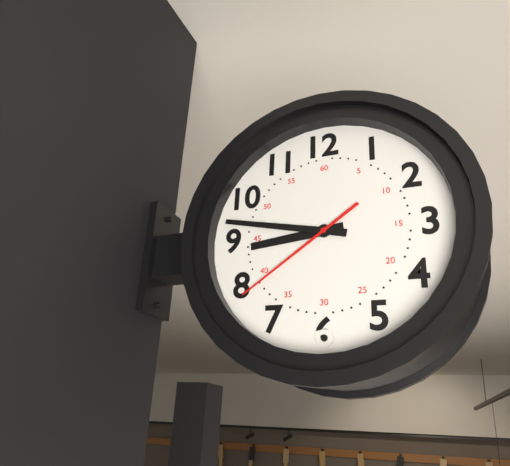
8.47.39
